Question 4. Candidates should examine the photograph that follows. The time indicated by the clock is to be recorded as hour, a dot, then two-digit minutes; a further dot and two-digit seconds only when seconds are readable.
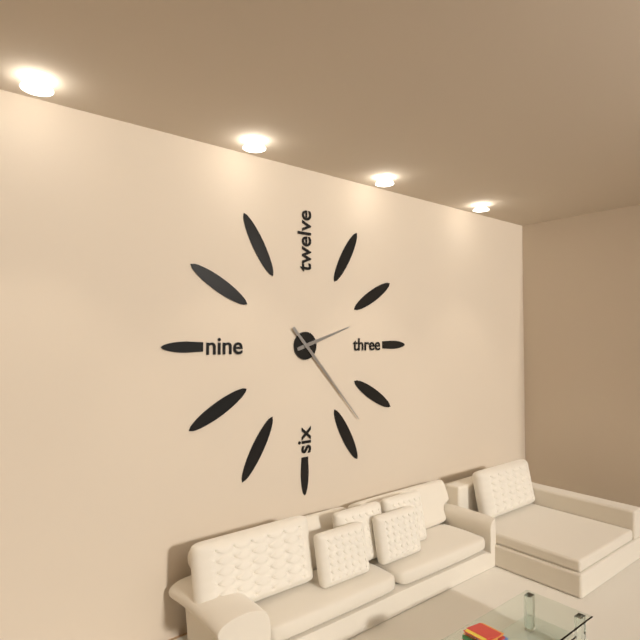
2.23
